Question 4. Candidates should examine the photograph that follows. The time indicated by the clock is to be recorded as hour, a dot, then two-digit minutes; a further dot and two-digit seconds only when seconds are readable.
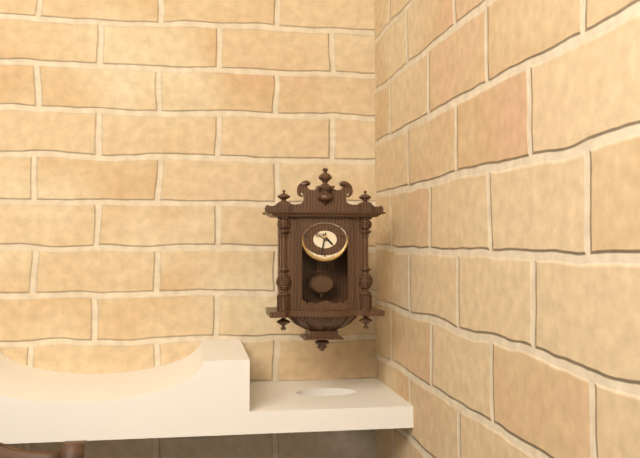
4.32
